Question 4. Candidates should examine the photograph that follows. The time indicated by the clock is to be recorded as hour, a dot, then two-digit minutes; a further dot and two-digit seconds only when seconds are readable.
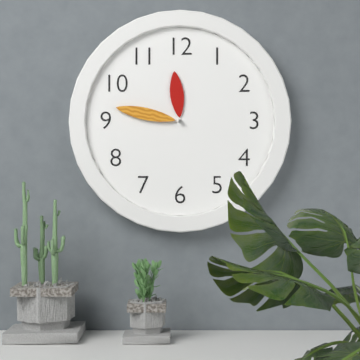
11.47
